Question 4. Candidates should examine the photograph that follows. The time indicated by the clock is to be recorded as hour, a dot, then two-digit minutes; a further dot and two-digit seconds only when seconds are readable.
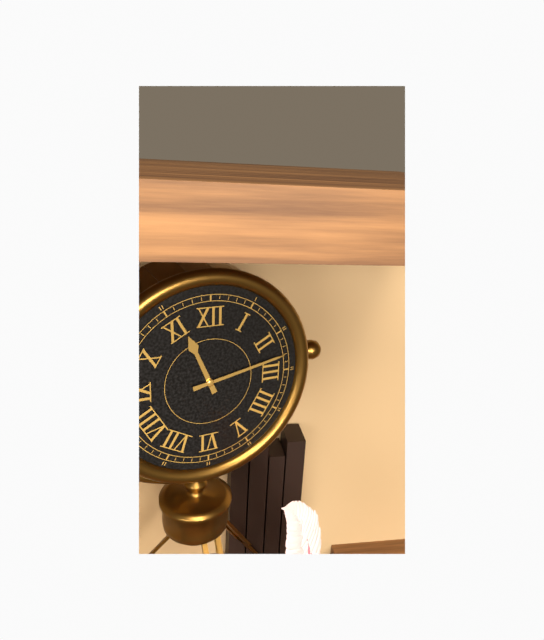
11.13
